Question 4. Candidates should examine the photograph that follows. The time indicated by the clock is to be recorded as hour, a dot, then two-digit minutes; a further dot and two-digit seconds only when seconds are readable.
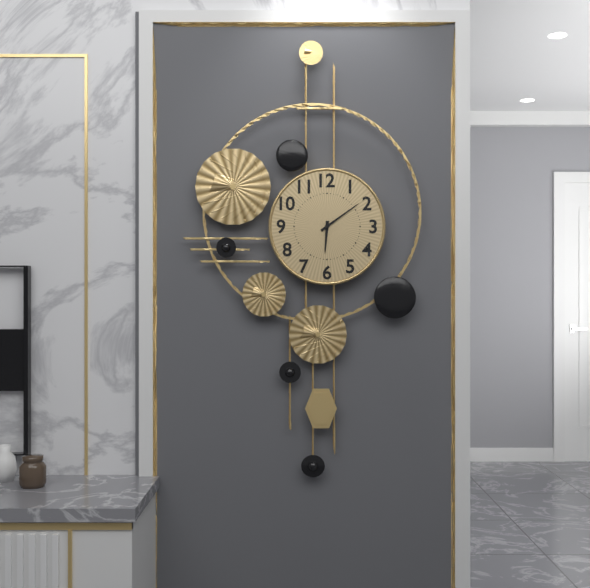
6.09
